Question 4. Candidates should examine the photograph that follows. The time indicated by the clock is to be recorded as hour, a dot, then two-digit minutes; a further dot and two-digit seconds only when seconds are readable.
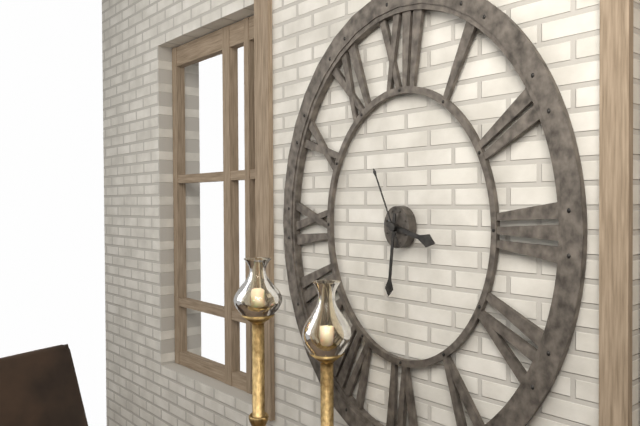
3.31.56
